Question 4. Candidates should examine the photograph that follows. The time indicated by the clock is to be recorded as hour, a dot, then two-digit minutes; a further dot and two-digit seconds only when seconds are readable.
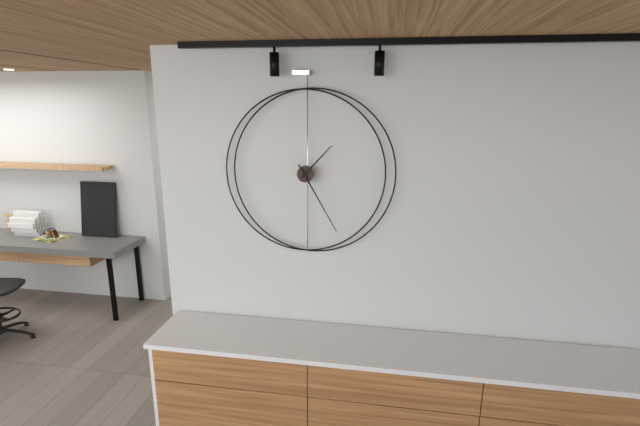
1.25
